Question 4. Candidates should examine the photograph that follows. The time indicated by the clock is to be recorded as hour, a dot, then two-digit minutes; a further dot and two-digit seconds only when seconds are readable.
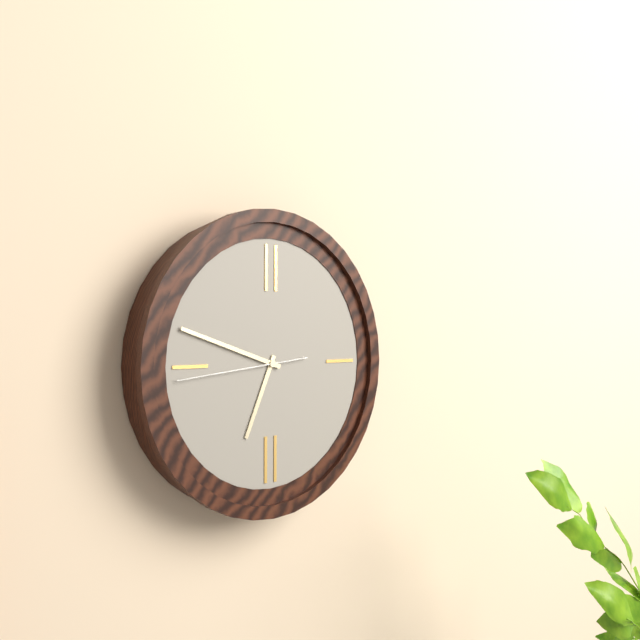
6.48.44
